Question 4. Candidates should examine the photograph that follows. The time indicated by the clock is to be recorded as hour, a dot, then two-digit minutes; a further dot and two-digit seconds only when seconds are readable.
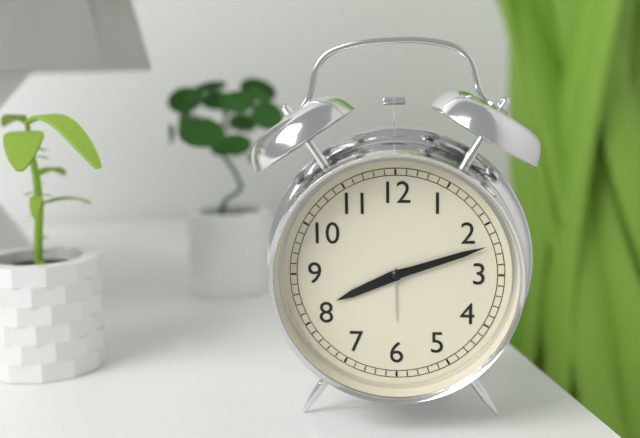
8.12
